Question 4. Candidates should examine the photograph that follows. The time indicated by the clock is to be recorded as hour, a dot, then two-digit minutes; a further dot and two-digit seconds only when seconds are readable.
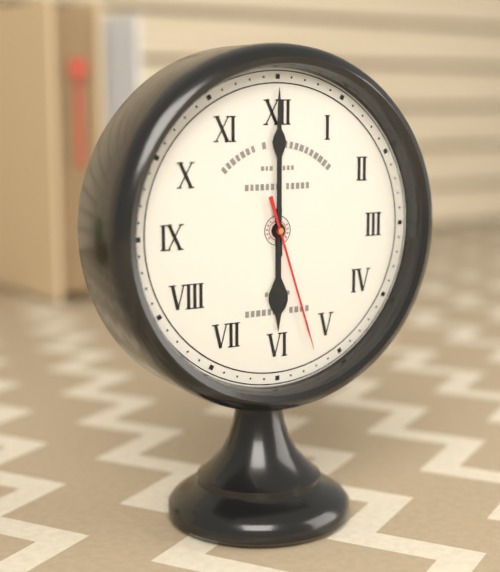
6.00.27
